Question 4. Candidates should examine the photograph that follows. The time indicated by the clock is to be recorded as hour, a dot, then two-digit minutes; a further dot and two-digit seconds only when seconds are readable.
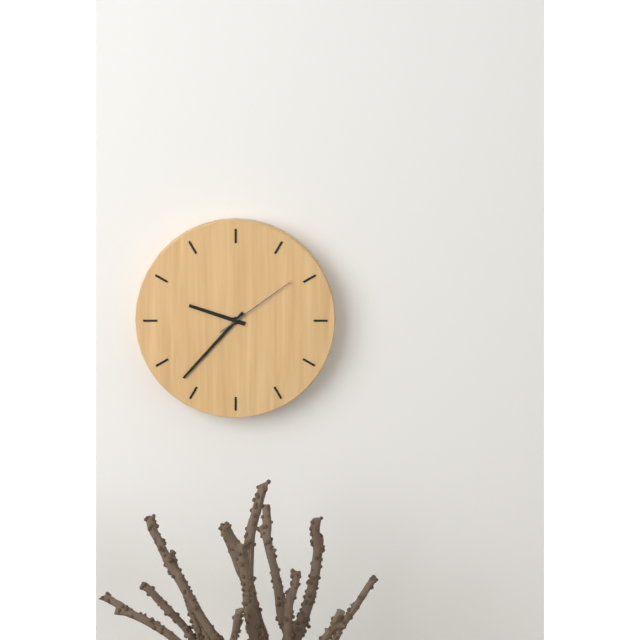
9.37.09
